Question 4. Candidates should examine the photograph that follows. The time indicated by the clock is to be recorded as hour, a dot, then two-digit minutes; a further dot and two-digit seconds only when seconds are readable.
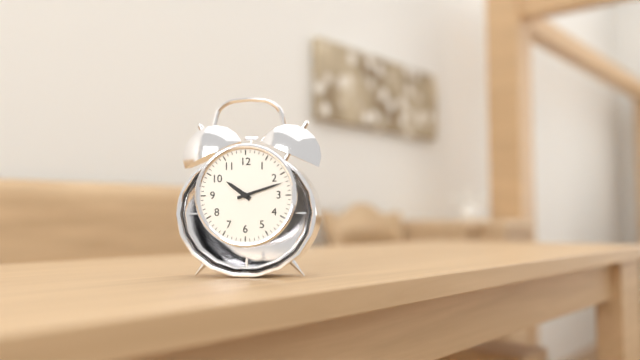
10.12
